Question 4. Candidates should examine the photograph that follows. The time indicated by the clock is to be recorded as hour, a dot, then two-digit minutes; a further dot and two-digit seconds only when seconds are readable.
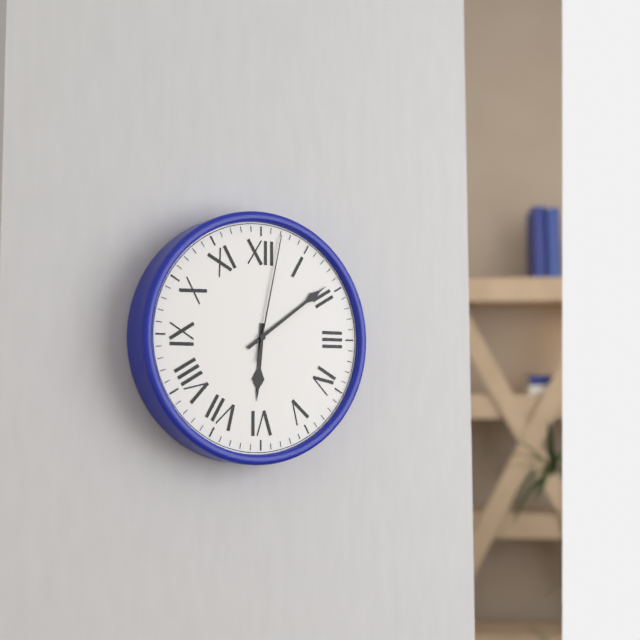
6.09.02
